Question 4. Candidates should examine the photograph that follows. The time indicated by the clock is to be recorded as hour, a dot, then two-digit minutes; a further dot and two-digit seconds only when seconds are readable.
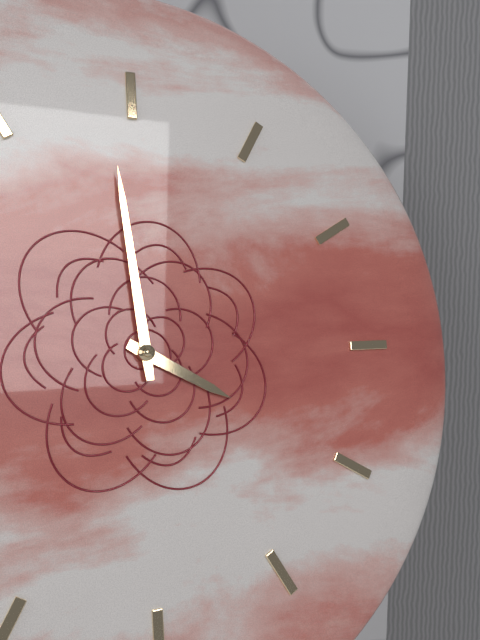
3.59
